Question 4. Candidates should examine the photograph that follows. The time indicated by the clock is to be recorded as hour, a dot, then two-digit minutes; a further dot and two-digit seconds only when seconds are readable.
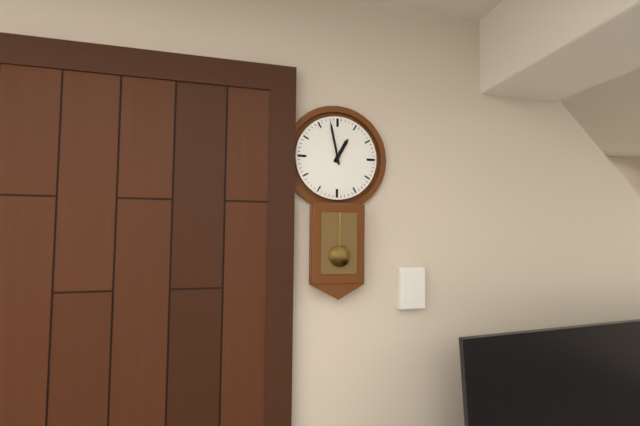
12.58
